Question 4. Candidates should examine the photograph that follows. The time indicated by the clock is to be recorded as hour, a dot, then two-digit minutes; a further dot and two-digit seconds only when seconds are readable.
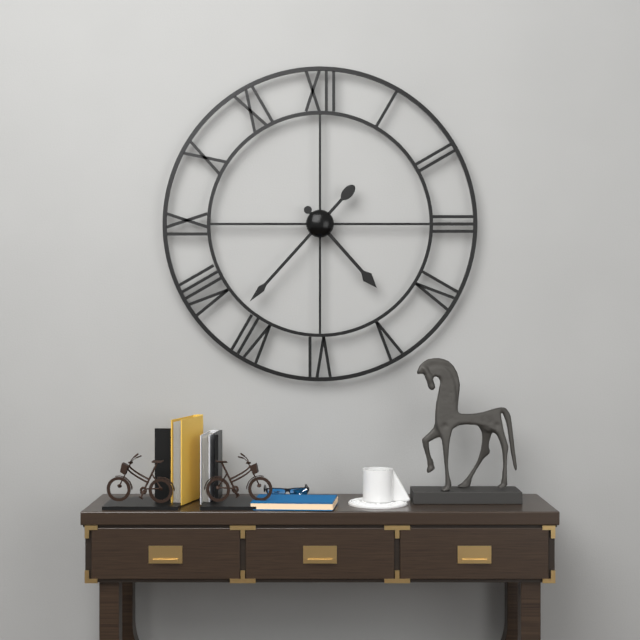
4.37
